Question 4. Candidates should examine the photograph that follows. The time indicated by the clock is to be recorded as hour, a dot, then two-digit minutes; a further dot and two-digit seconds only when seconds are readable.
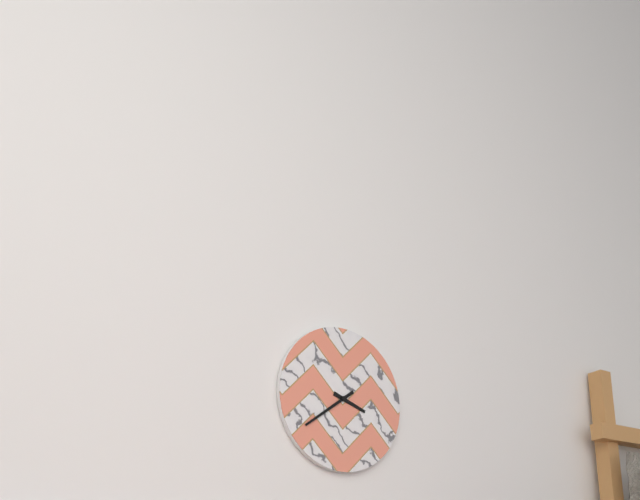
3.39
